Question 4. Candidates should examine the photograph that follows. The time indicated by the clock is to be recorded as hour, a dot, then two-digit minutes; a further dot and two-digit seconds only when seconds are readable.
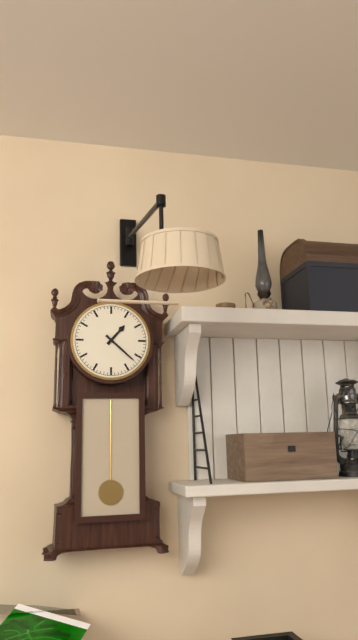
1.22
